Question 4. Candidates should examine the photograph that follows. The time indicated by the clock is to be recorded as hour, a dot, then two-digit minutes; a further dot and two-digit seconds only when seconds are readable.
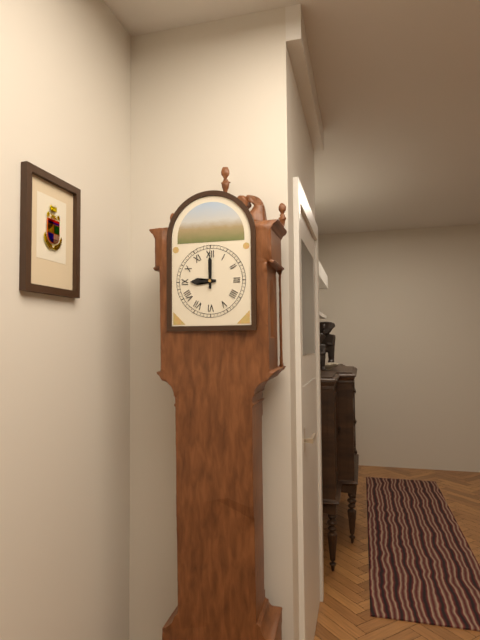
9.00
